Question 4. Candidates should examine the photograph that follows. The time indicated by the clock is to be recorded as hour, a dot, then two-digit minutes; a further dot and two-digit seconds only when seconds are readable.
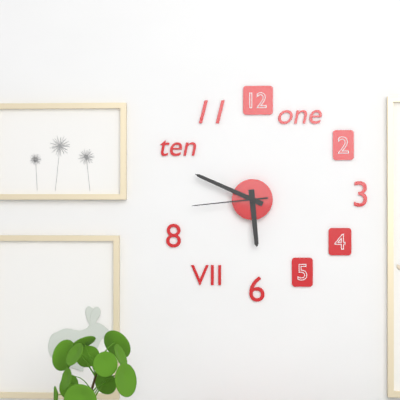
5.49.44
